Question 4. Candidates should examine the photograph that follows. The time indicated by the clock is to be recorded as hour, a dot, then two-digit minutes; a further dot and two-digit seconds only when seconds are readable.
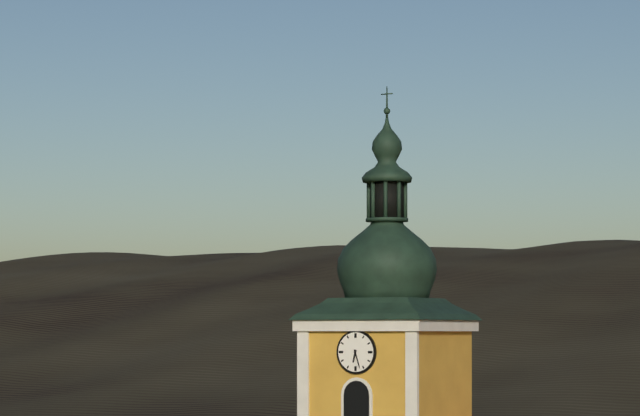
6.27
